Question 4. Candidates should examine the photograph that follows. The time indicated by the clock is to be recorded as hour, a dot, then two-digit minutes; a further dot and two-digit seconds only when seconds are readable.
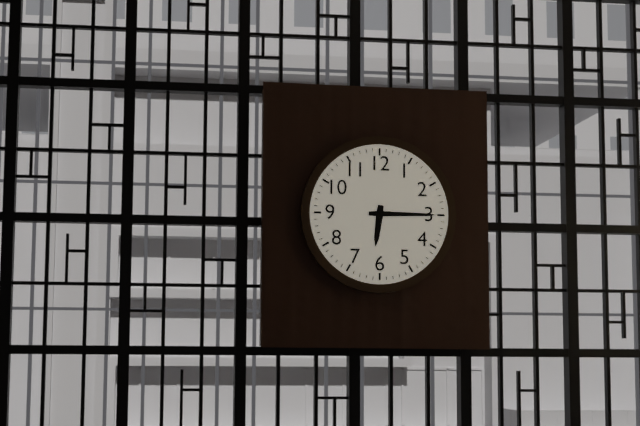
6.15
